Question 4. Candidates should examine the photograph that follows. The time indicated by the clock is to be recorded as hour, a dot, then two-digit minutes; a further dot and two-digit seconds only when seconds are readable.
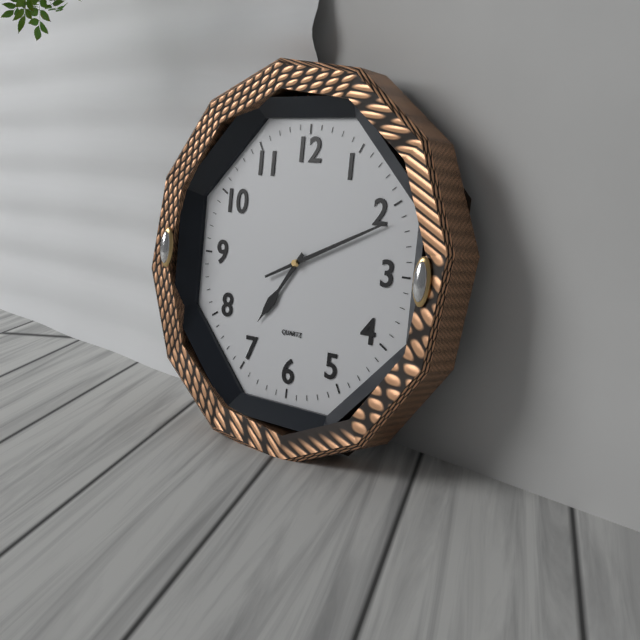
7.11
